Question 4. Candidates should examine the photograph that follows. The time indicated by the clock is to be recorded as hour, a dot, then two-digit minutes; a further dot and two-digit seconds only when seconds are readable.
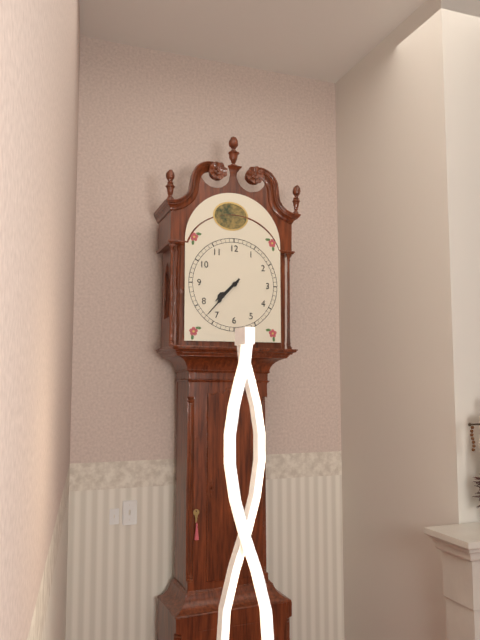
7.37
